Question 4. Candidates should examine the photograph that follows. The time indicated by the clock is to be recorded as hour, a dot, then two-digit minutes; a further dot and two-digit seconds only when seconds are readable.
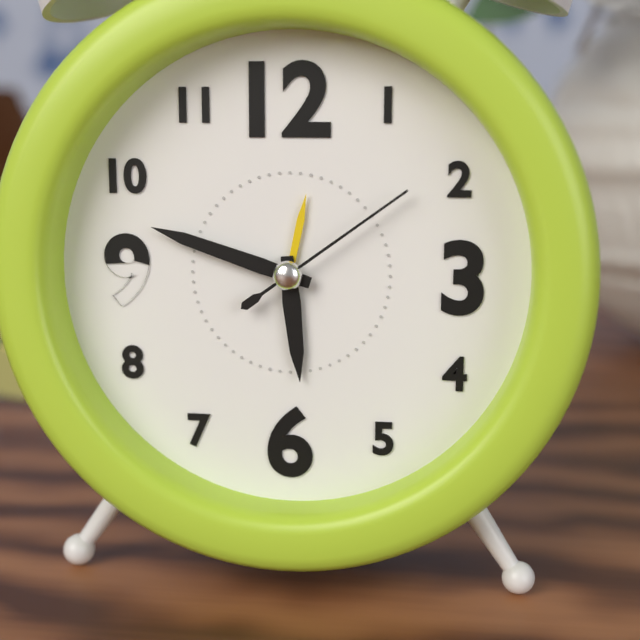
5.48.09
